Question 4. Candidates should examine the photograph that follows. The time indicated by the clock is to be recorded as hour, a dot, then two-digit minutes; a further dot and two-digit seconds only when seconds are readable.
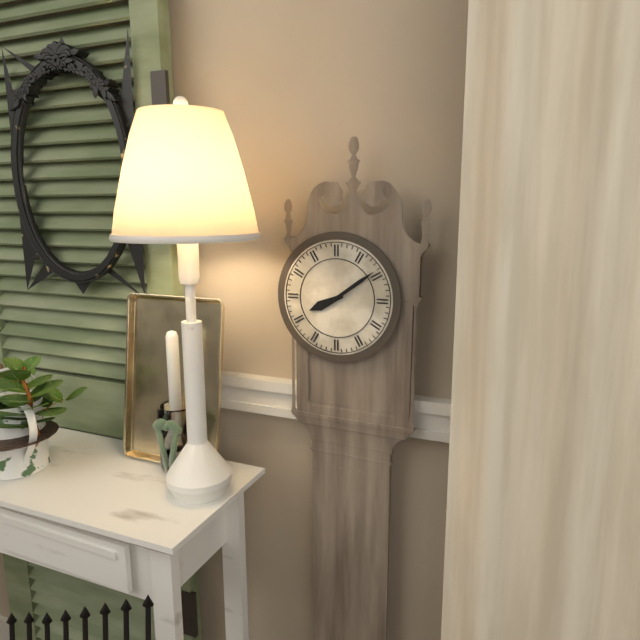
8.09
